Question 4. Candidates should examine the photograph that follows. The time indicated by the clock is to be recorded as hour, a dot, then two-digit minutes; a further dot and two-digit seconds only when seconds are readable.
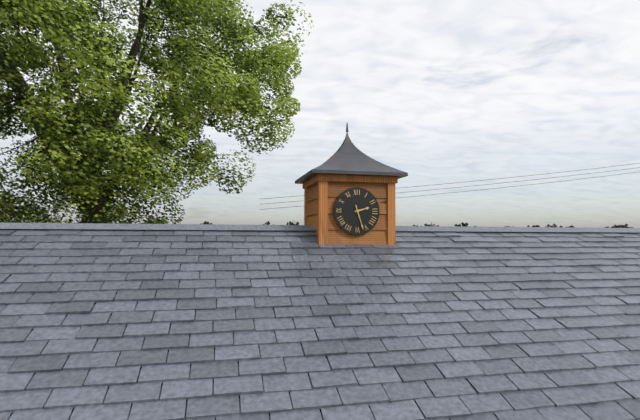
2.27
